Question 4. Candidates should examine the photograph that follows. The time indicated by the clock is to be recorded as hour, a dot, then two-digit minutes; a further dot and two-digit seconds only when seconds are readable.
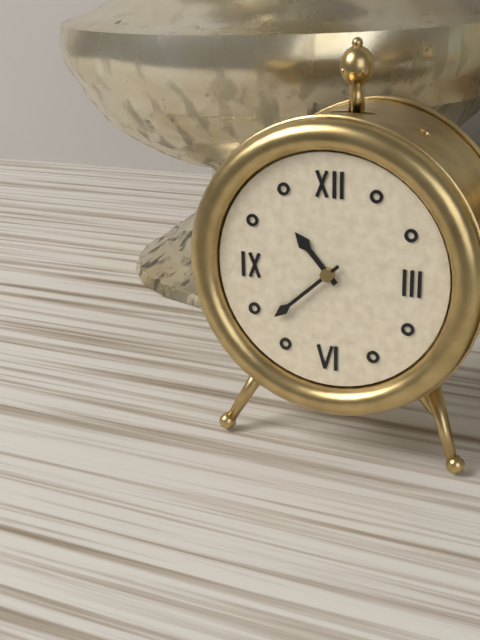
10.38
